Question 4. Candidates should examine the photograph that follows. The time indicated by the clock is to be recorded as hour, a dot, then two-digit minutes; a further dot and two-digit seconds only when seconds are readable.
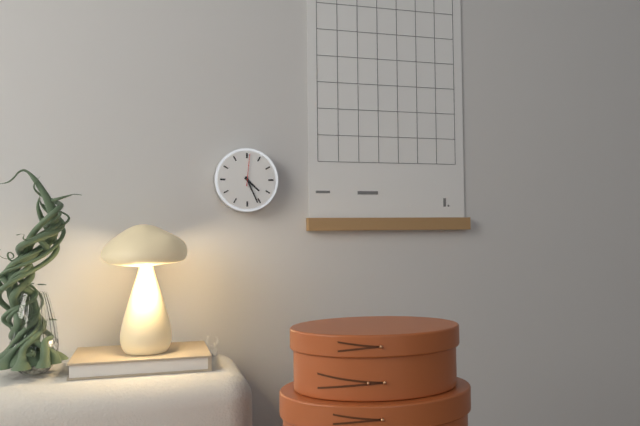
4.26
